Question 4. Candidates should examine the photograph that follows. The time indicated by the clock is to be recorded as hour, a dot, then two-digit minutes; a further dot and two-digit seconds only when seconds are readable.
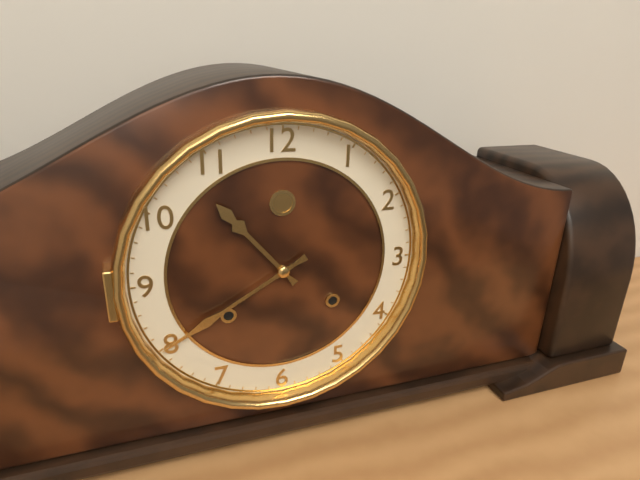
10.40
